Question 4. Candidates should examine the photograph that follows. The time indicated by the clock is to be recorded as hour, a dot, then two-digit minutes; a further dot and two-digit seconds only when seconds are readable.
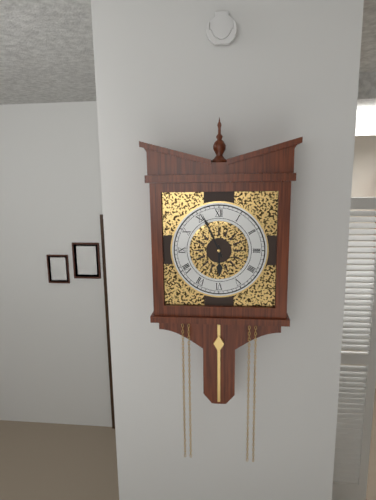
5.56
